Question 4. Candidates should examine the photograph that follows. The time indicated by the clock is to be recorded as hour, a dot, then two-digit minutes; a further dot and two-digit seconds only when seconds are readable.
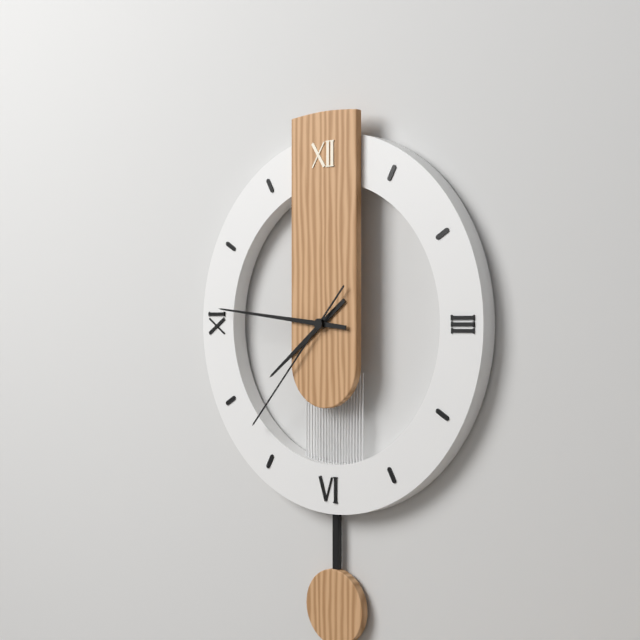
7.46.37
